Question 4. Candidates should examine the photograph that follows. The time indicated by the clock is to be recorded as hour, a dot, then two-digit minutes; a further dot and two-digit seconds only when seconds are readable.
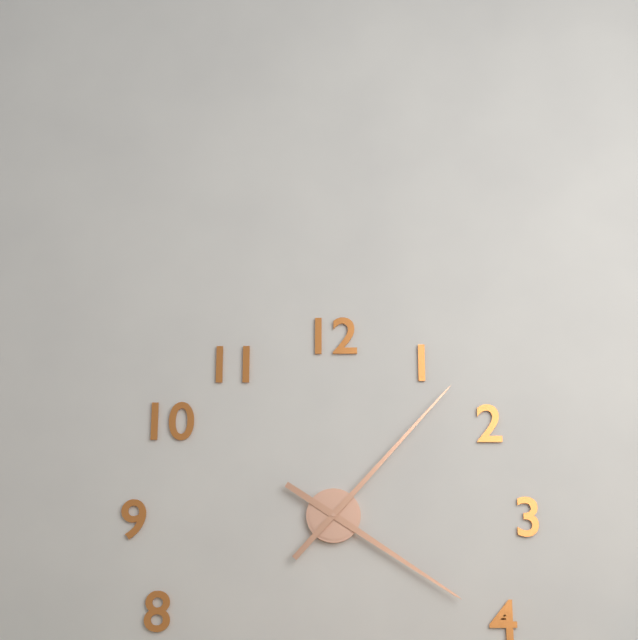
4.07
